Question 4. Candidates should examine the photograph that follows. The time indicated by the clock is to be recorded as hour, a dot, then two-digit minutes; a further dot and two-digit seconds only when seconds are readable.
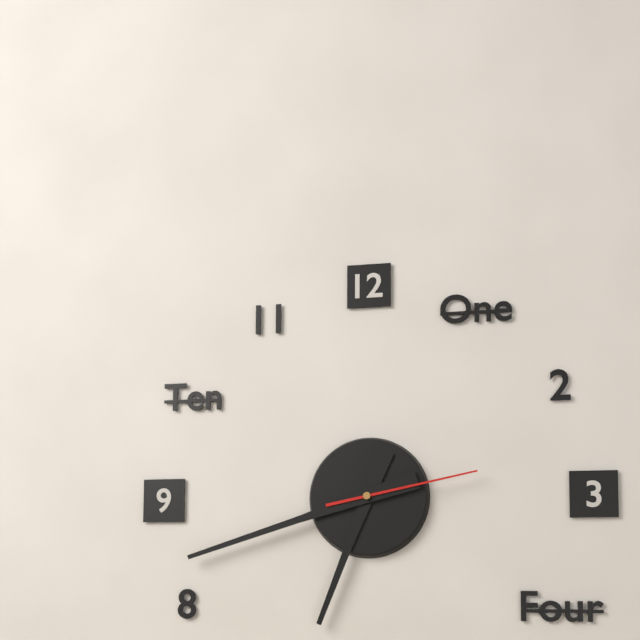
6.42.13
